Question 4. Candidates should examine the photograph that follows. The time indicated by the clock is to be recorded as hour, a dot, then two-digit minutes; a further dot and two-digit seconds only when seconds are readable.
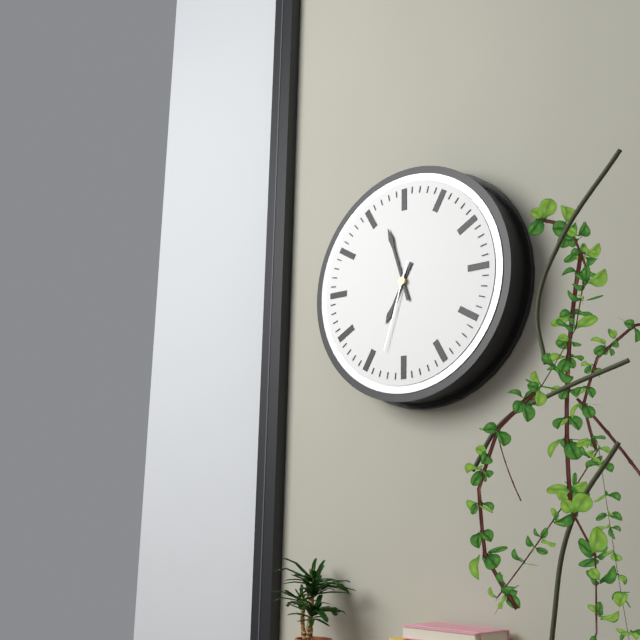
6.57.33
